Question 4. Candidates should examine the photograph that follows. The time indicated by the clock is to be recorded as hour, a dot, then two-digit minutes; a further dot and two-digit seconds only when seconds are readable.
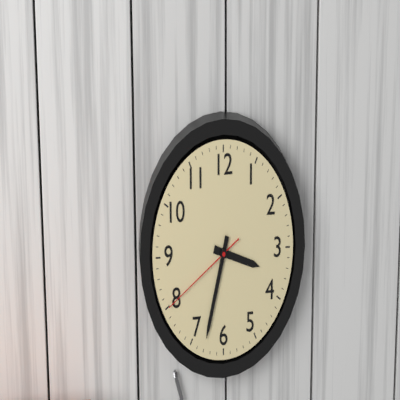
3.33.40
